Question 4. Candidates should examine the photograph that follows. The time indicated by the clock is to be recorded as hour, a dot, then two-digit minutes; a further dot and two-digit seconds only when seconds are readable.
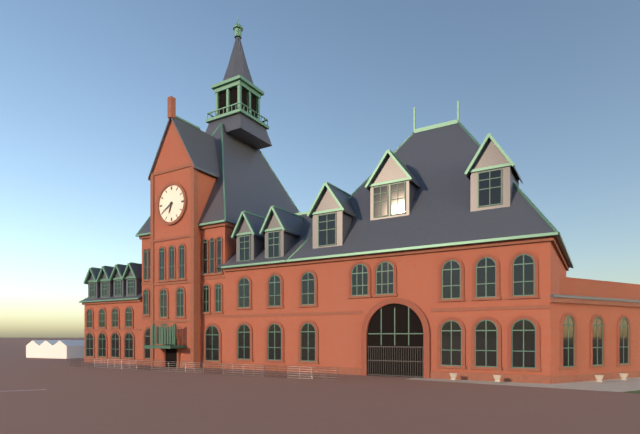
6.40
